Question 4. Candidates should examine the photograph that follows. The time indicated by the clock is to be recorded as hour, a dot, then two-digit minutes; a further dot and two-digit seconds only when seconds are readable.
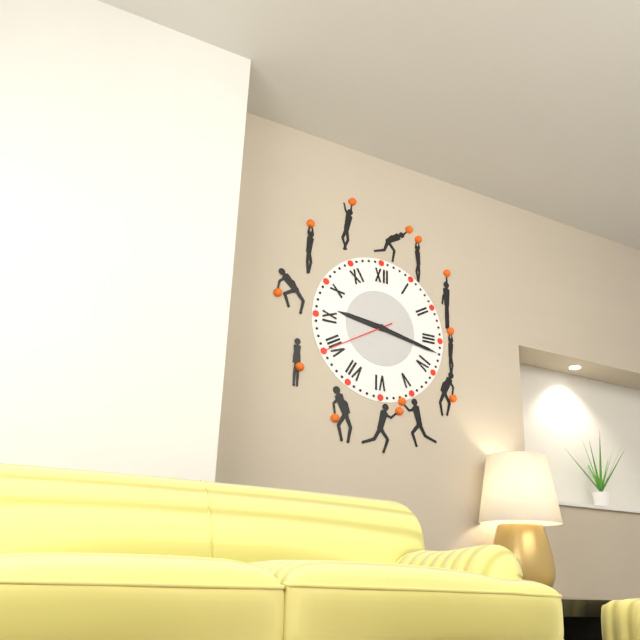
9.17.40
